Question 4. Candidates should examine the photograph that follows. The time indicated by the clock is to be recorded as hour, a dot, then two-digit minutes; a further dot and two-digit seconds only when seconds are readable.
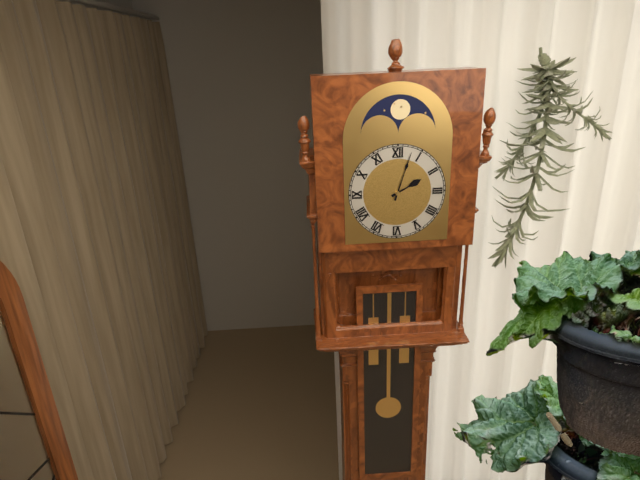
2.03
